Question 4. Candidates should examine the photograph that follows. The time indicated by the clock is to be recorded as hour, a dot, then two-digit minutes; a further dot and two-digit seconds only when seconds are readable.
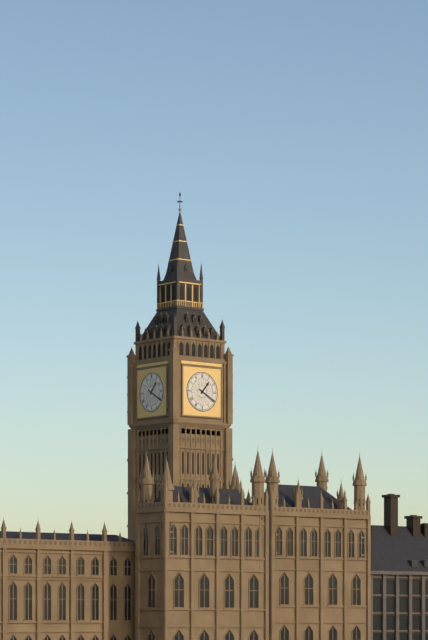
1.20
